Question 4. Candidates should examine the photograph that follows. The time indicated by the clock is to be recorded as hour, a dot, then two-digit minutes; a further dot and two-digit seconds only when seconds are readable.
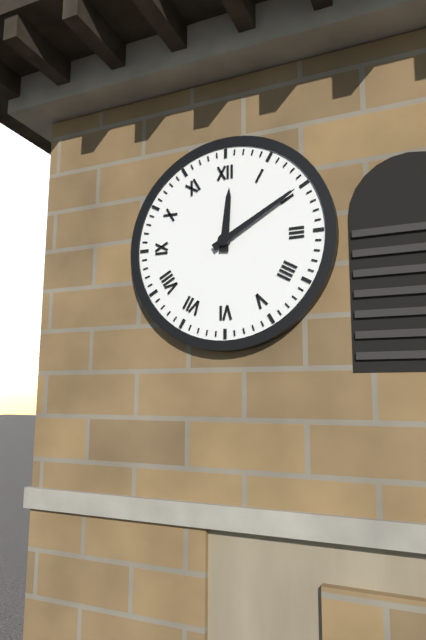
12.10
